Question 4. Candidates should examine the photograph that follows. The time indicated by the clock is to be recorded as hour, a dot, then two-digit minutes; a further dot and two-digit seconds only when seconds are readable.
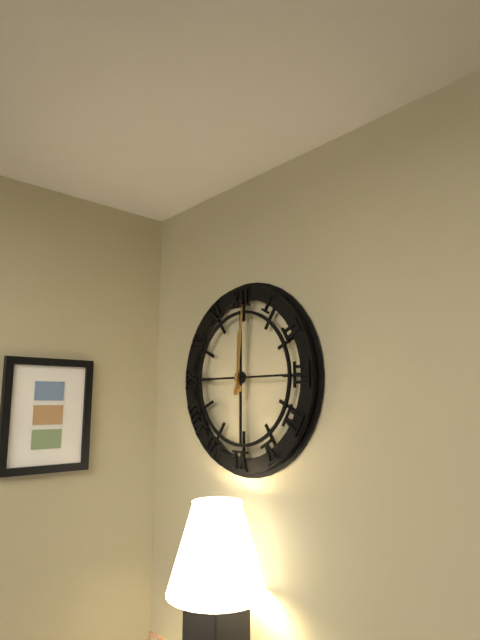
12.01
